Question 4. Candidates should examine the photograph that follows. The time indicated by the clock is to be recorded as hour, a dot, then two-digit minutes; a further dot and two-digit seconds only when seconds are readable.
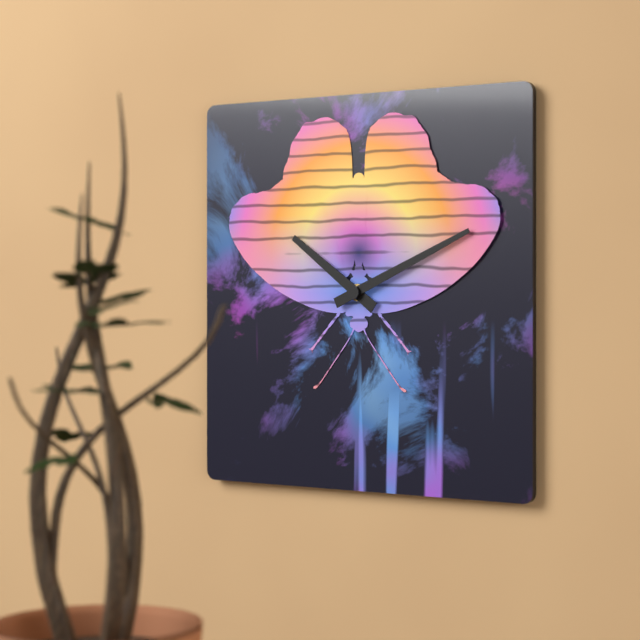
10.11
